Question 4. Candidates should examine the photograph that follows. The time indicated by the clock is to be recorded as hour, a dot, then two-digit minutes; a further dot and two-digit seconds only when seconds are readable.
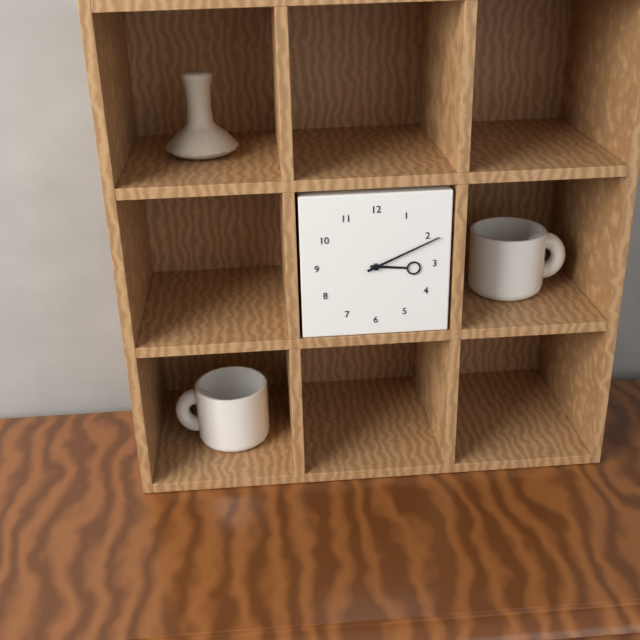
3.11
